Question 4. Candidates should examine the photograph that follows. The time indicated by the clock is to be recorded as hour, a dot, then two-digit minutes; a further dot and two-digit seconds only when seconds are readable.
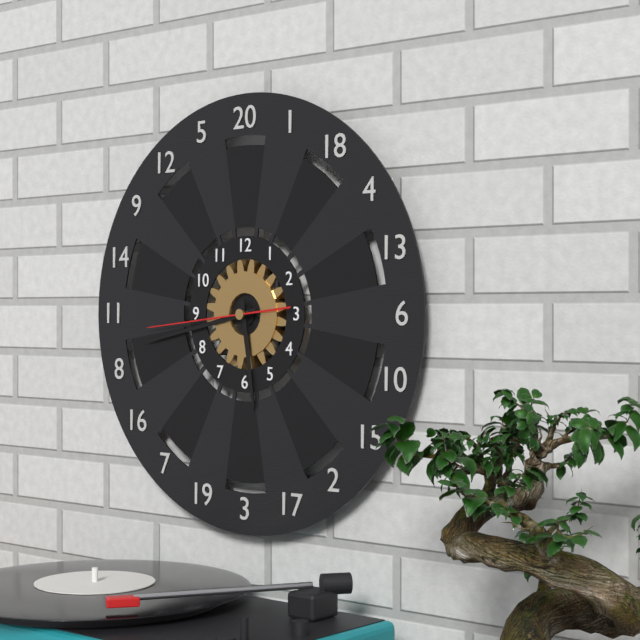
5.43.44
